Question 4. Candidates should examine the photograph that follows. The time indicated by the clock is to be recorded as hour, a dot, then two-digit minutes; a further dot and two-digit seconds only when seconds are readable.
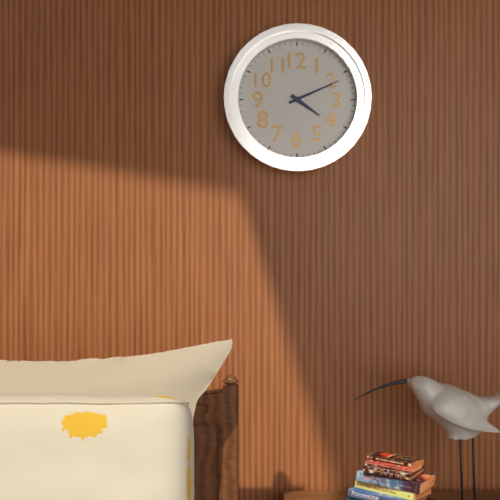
4.11
